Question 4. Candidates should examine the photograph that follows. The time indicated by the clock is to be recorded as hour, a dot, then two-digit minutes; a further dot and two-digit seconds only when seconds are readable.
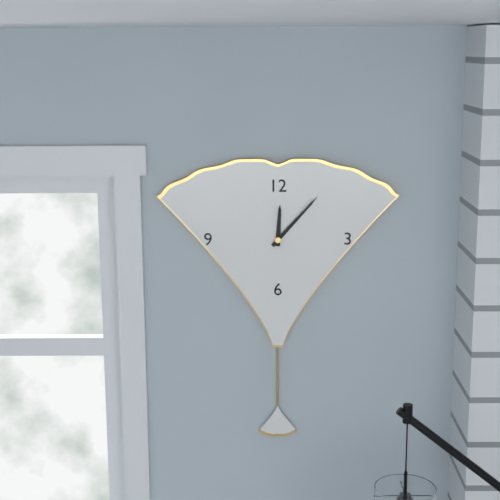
12.07
